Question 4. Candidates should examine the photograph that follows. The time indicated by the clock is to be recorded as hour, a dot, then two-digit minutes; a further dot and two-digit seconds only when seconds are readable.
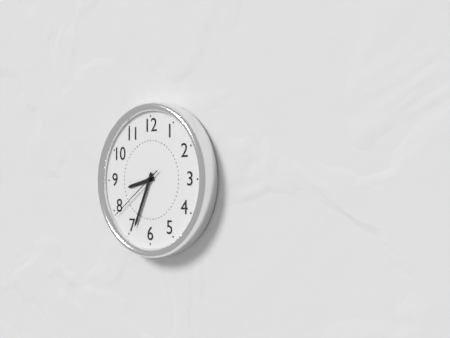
8.34.39
